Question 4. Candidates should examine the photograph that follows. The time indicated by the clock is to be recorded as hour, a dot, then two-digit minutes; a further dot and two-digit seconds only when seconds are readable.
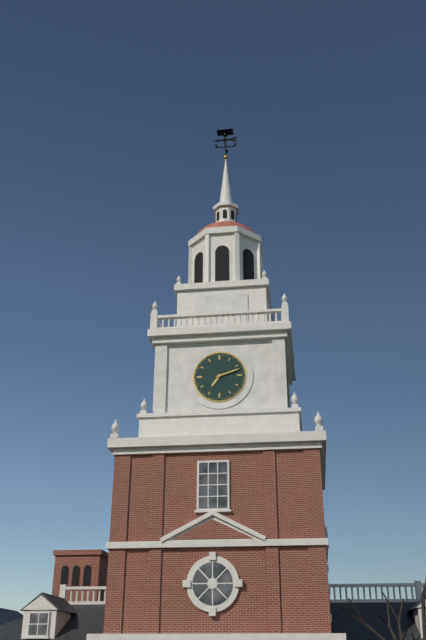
7.12
